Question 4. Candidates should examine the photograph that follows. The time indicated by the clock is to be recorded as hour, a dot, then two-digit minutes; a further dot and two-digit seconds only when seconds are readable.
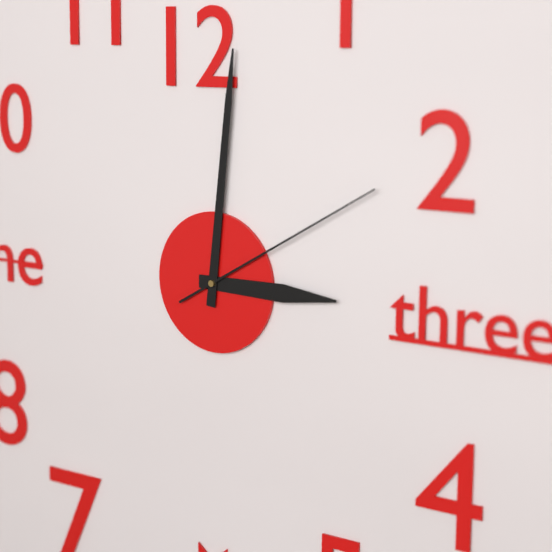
3.01.10
